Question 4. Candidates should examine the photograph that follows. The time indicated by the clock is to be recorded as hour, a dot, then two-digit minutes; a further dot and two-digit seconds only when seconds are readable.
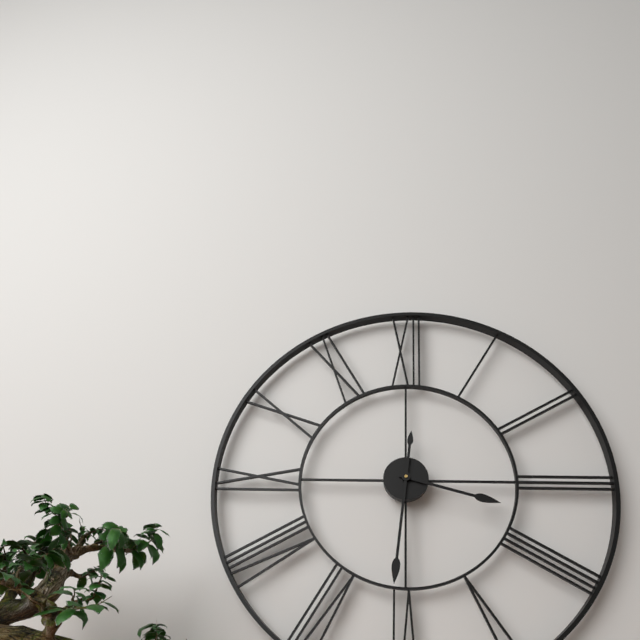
3.31
